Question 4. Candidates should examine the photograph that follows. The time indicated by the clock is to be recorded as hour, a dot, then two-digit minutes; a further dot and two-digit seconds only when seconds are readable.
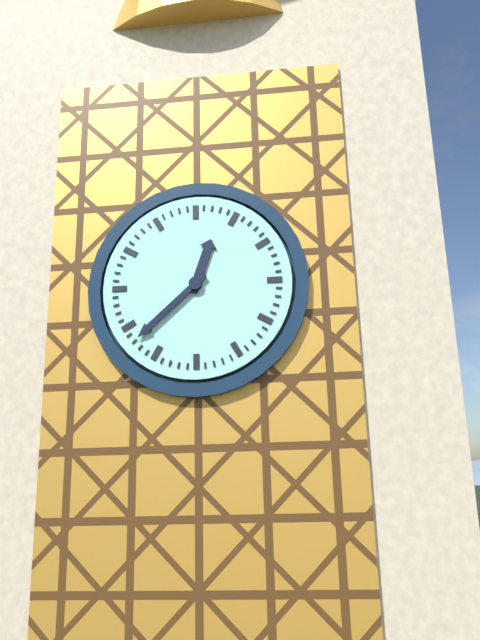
12.38
